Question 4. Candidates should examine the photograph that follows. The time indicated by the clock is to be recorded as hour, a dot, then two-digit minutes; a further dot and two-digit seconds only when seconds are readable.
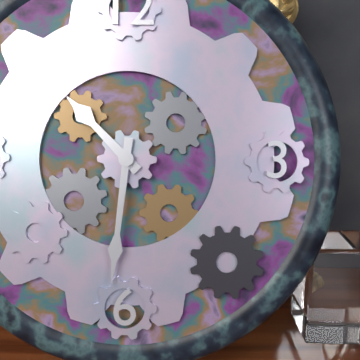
10.31
